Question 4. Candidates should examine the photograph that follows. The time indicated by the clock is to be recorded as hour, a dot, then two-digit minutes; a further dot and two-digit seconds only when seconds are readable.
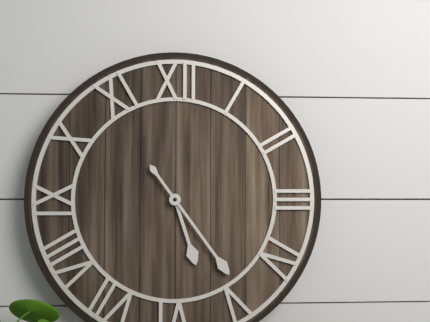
5.24
